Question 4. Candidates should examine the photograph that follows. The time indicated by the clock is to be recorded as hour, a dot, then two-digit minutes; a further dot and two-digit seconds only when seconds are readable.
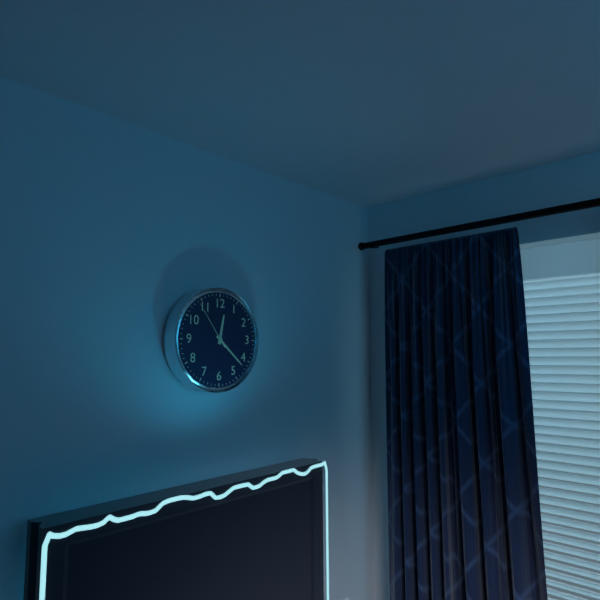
12.22.54
